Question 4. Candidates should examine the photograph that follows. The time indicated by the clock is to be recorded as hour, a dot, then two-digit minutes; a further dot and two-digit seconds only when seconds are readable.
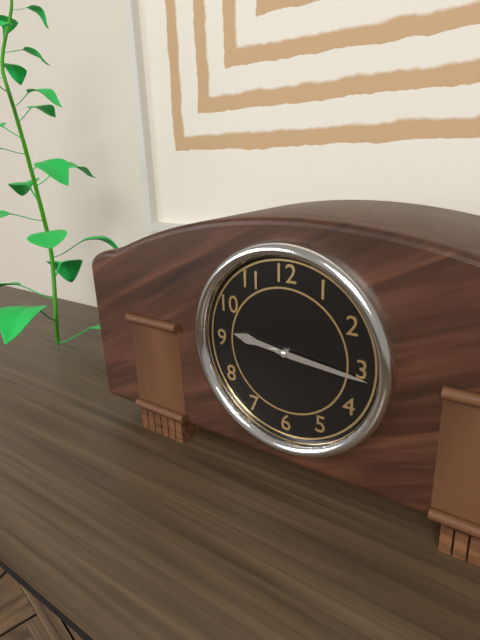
9.16
